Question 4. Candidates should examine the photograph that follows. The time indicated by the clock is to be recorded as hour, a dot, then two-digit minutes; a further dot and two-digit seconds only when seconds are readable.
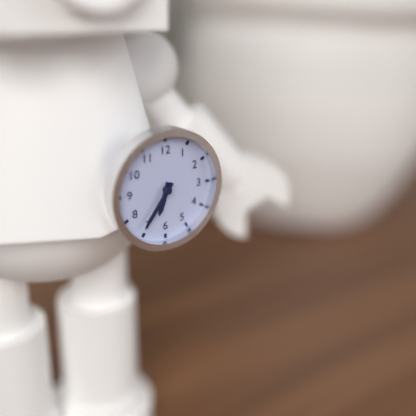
6.36
